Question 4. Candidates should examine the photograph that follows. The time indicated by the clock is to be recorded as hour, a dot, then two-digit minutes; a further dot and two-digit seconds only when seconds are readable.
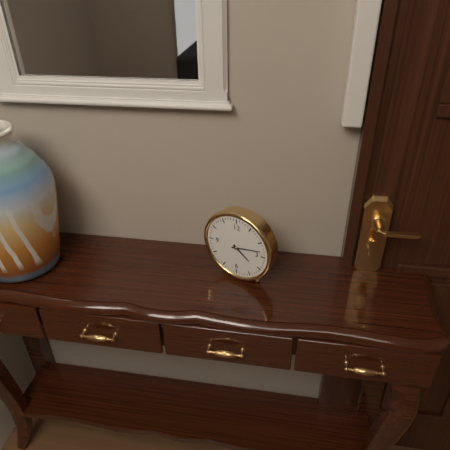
4.13
